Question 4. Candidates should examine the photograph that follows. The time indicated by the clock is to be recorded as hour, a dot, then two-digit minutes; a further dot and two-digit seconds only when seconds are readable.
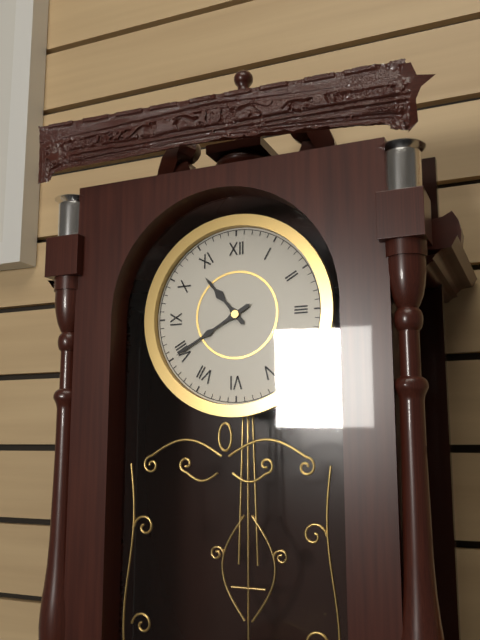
10.40
